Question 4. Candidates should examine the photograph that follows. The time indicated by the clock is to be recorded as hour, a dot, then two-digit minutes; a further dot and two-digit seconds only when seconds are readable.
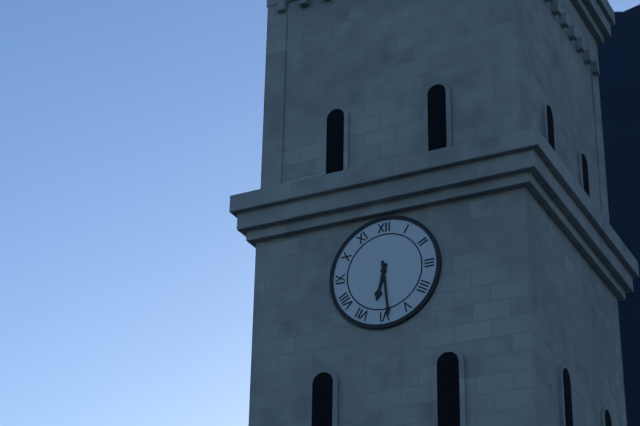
6.29
